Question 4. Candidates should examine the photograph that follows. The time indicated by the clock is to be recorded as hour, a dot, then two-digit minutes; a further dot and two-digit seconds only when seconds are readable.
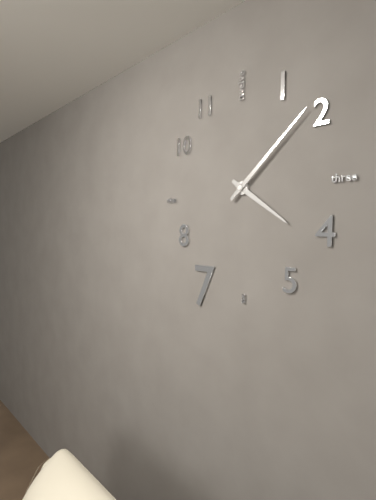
4.08
